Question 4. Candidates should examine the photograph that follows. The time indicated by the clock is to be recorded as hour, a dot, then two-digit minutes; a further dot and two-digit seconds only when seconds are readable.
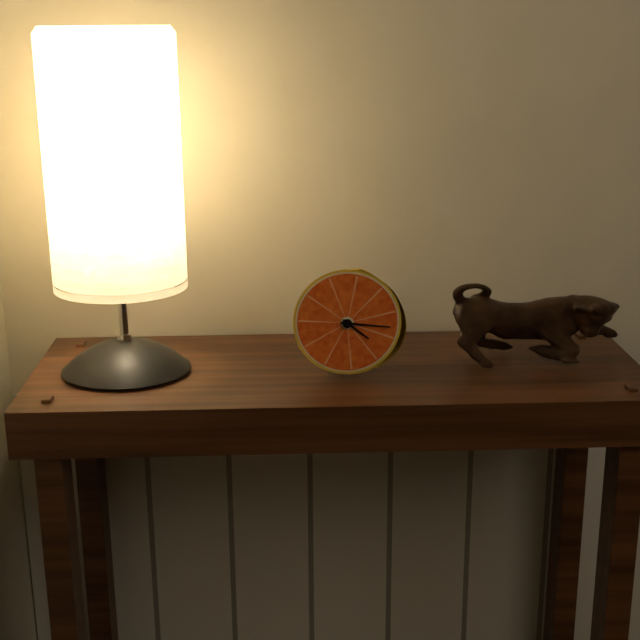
4.16
